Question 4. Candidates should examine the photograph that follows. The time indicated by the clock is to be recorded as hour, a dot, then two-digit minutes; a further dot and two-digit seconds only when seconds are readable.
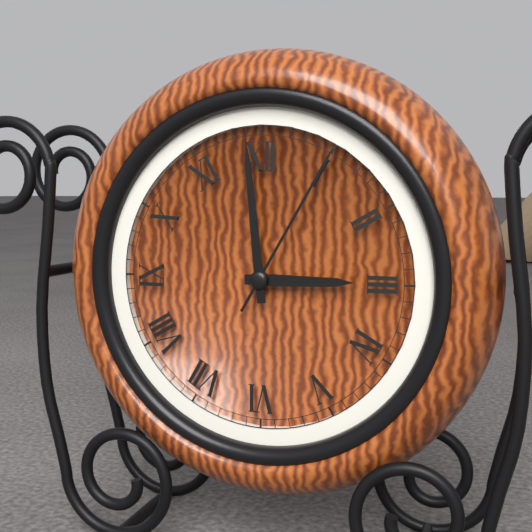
2.59.05
